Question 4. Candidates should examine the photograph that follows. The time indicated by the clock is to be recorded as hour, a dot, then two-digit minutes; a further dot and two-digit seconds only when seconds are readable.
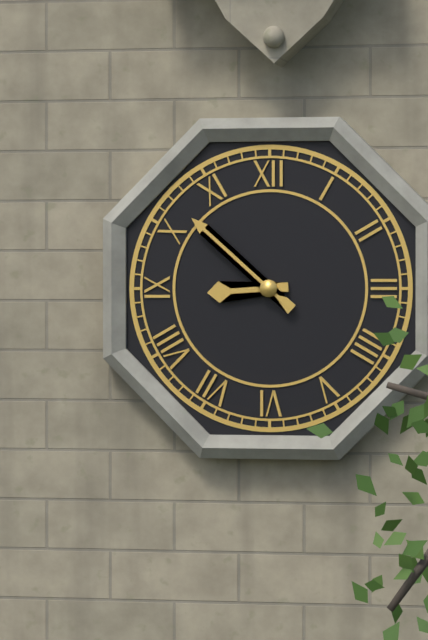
8.52
